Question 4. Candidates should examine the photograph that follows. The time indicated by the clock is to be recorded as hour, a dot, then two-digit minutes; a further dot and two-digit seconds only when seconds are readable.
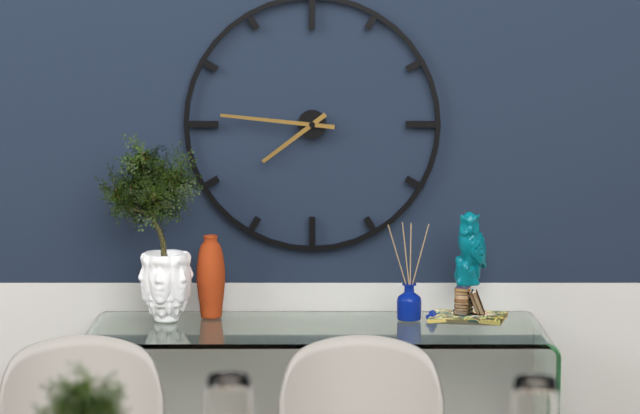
7.46
